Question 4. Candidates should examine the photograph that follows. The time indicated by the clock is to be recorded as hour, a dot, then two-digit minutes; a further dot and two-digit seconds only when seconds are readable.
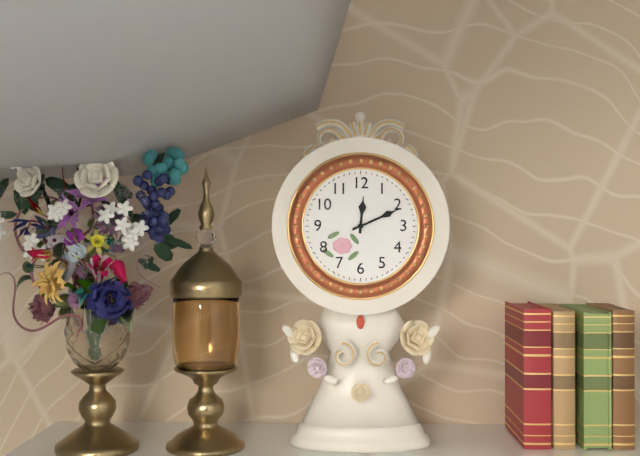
12.11
